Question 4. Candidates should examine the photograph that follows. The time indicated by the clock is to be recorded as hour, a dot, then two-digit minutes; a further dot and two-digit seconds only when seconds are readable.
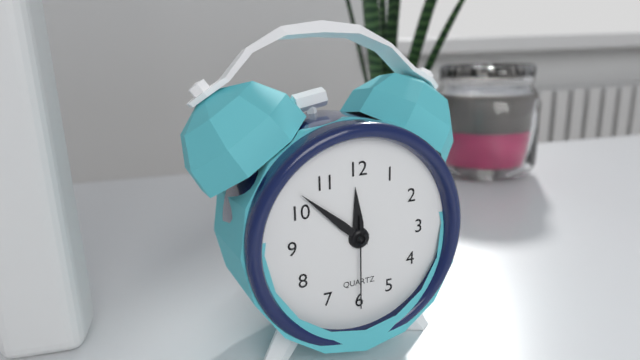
11.52.30
